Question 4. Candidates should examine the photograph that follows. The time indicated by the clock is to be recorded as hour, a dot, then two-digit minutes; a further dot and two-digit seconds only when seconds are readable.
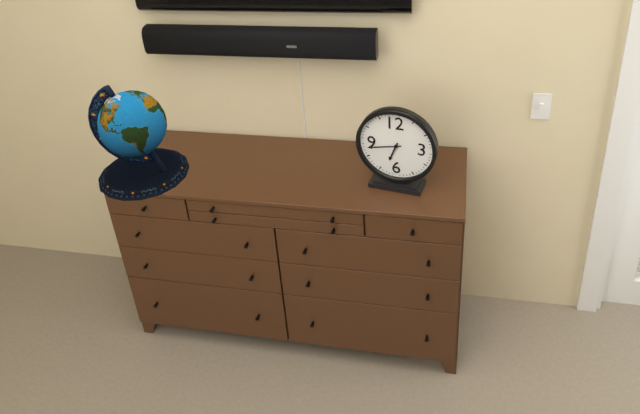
6.43
